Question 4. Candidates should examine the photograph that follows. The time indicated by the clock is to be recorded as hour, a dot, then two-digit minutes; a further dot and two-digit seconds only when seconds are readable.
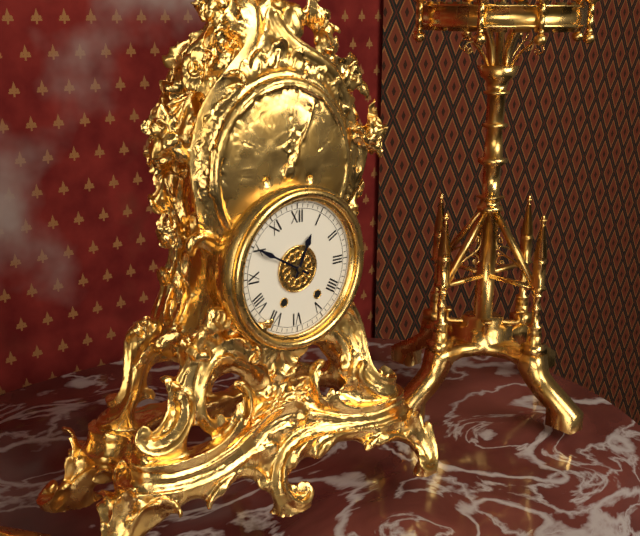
12.50
